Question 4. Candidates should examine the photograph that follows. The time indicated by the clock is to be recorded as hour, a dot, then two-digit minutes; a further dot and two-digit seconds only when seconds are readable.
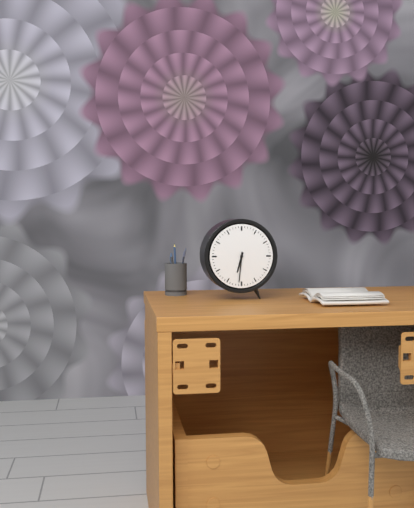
6.31
